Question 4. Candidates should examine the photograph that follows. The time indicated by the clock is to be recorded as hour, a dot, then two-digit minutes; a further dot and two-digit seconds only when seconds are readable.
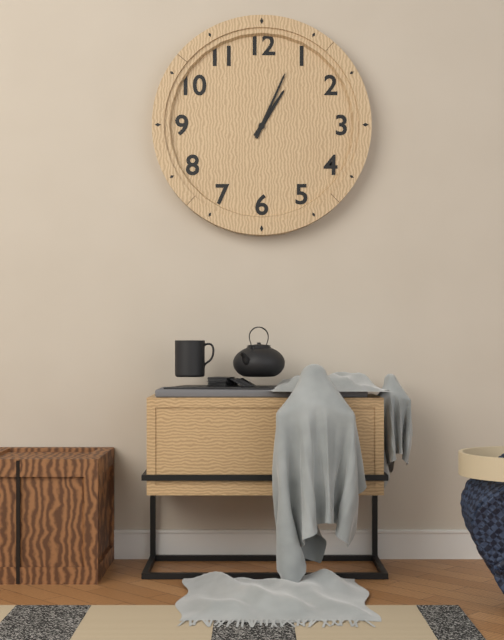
1.04
